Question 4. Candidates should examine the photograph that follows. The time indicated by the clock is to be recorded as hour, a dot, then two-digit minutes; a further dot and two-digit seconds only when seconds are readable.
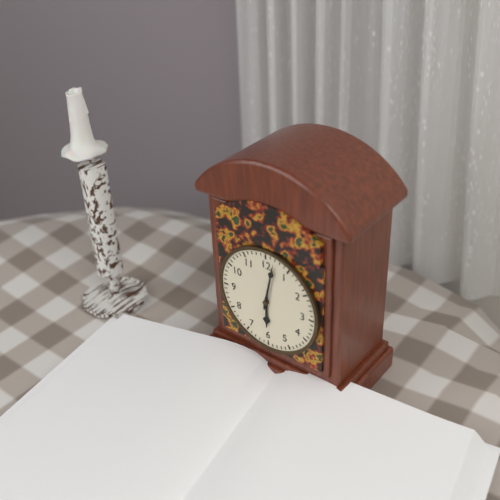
6.02
